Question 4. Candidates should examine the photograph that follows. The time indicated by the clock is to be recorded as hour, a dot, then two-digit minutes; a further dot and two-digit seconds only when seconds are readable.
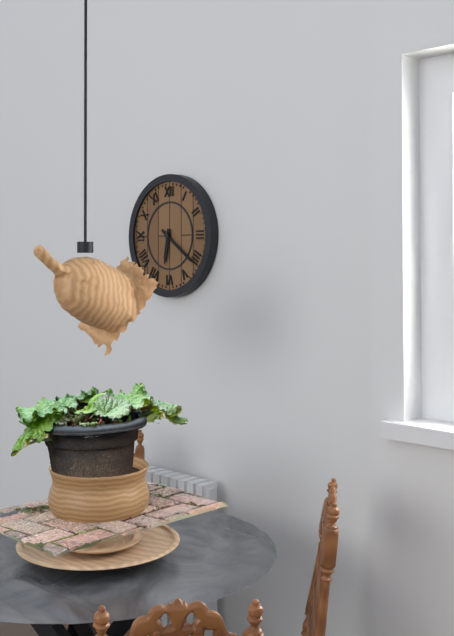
6.21
